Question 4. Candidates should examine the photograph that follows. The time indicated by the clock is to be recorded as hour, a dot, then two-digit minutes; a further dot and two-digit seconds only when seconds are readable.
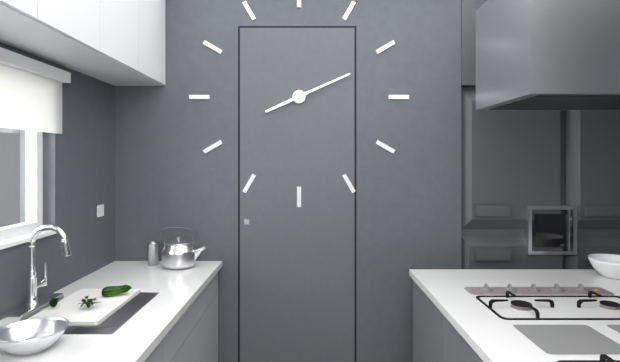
8.11
